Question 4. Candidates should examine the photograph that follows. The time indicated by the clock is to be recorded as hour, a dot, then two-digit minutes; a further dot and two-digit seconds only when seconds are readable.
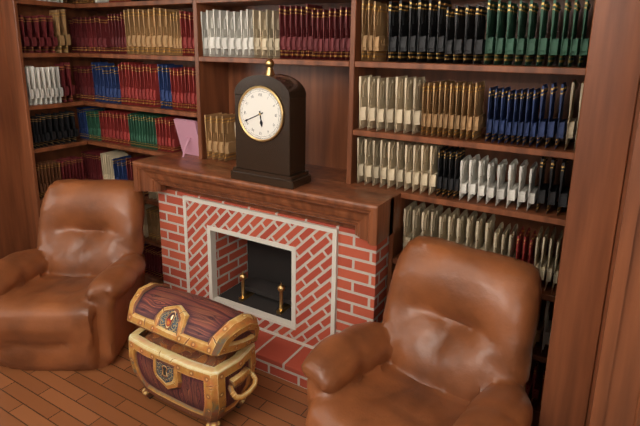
5.41
